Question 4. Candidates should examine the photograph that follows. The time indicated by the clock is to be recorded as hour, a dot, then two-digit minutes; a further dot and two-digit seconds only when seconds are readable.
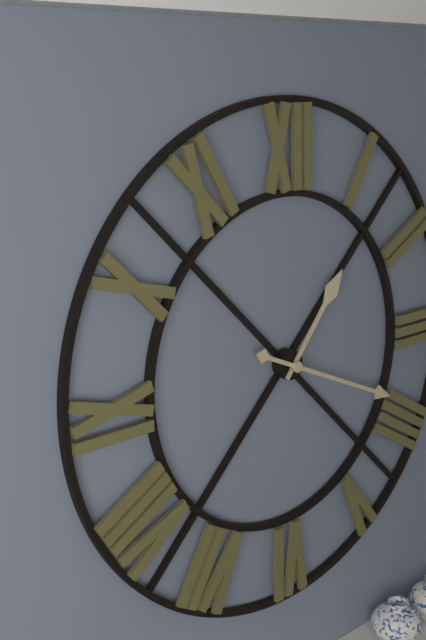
1.19
